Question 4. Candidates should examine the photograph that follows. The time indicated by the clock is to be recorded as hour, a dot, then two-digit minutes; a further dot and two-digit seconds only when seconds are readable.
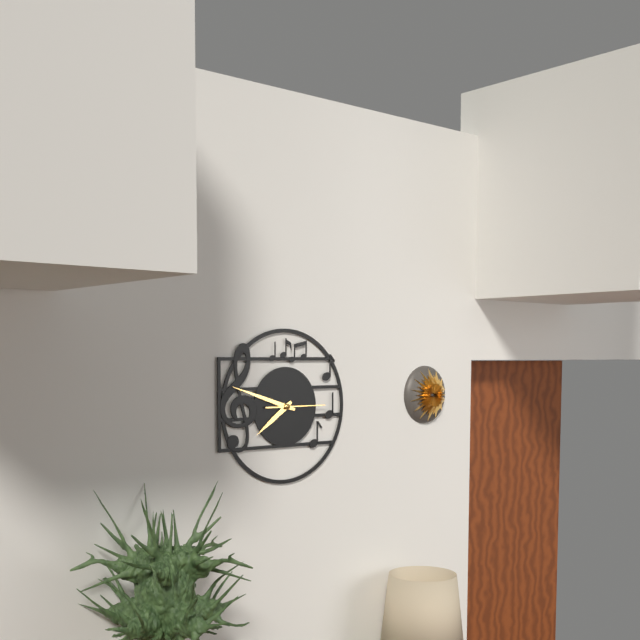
7.48
